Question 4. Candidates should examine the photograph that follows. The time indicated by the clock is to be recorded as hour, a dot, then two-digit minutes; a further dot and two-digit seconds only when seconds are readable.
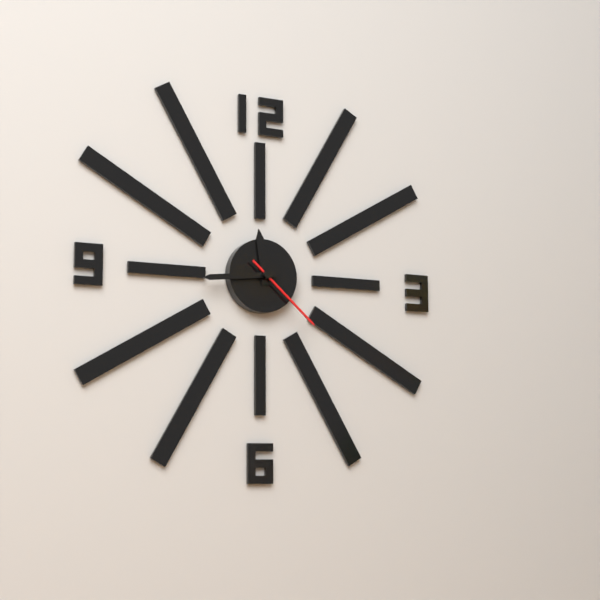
11.44.22
